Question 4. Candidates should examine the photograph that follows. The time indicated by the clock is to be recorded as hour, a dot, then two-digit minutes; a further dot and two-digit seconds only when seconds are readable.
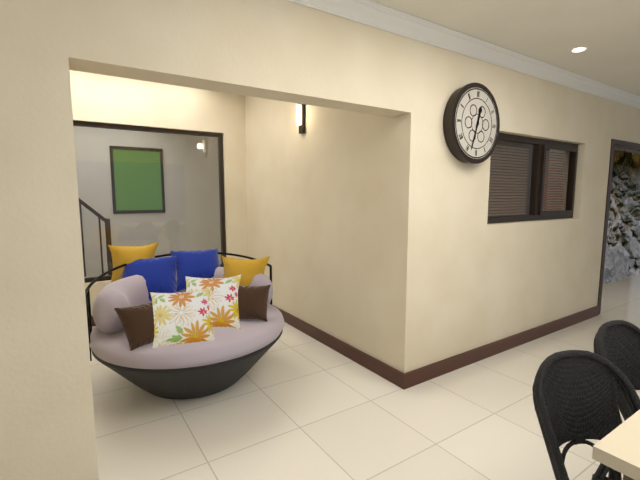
12.33
